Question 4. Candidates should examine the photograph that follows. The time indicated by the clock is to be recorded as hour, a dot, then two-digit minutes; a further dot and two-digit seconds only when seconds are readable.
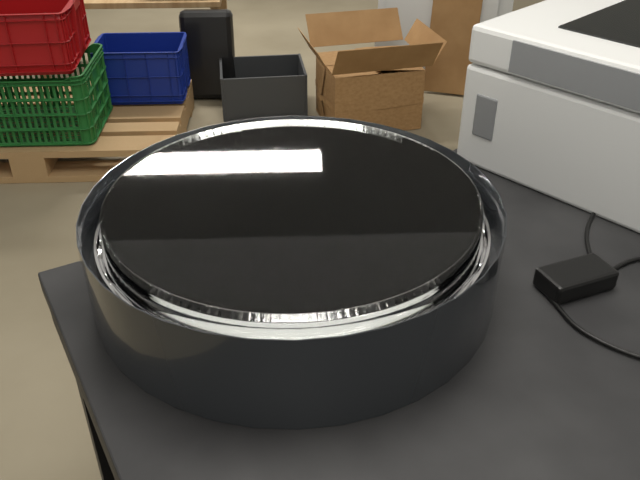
8.38
